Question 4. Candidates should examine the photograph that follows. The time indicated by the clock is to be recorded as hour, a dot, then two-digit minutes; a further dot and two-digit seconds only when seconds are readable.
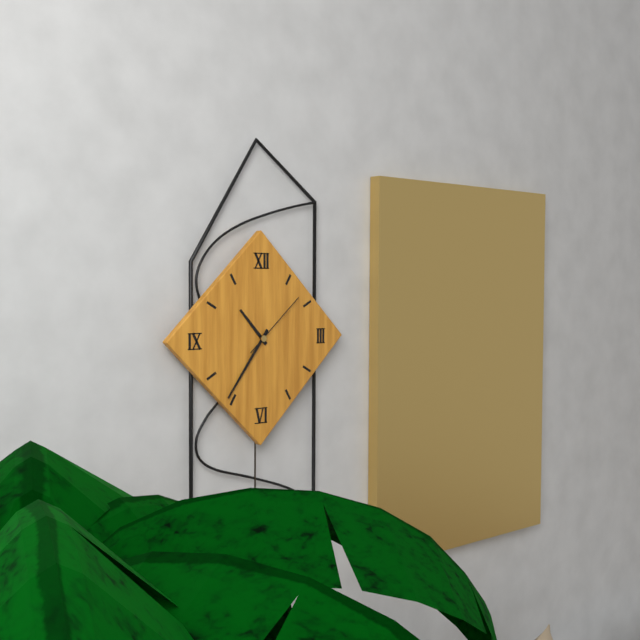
10.36.08
